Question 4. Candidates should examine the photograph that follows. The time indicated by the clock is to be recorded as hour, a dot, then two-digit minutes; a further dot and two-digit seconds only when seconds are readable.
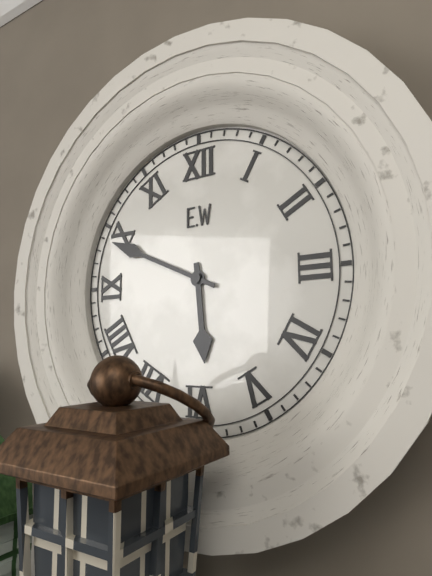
5.49
